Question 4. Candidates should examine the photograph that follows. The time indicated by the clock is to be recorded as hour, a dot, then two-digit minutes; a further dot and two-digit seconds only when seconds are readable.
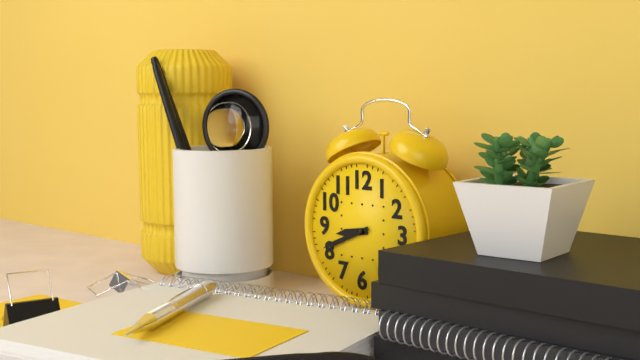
8.41
